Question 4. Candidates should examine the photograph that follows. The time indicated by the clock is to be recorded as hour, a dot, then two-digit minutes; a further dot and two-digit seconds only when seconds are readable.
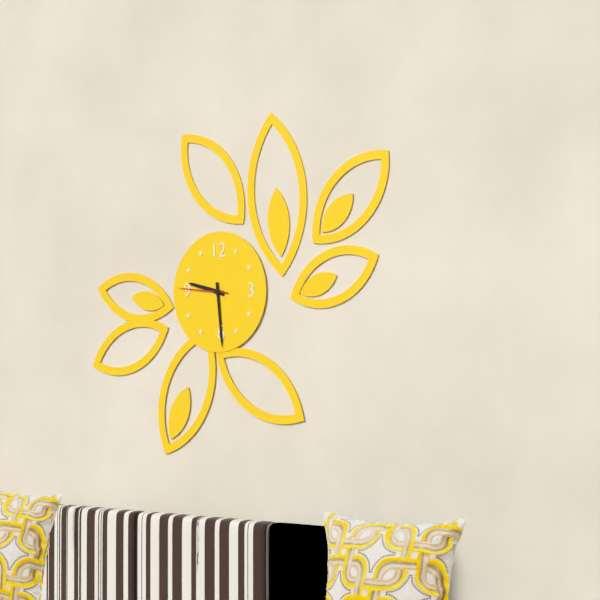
9.29.46
